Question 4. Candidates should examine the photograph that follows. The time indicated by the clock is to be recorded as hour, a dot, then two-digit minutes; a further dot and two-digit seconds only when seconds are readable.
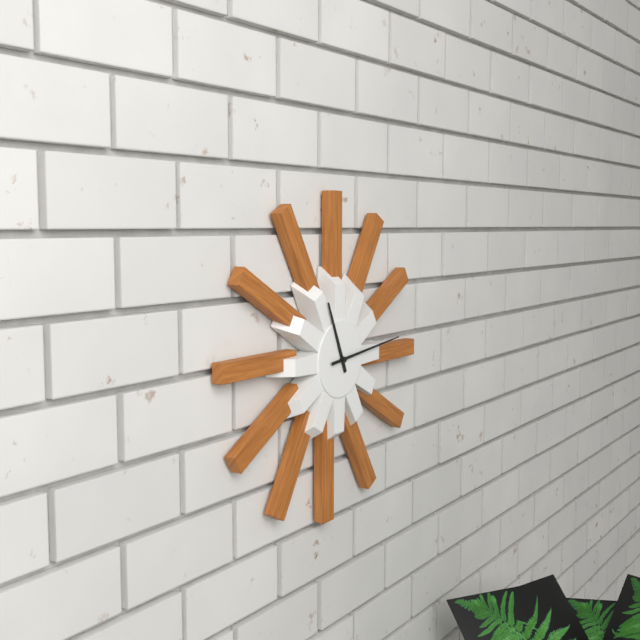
11.14
